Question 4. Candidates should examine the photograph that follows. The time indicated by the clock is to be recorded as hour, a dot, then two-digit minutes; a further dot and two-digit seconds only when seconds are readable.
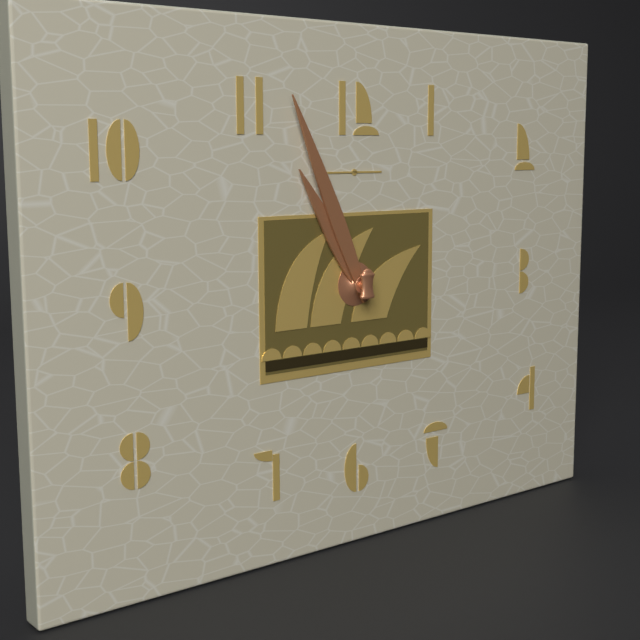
10.56
